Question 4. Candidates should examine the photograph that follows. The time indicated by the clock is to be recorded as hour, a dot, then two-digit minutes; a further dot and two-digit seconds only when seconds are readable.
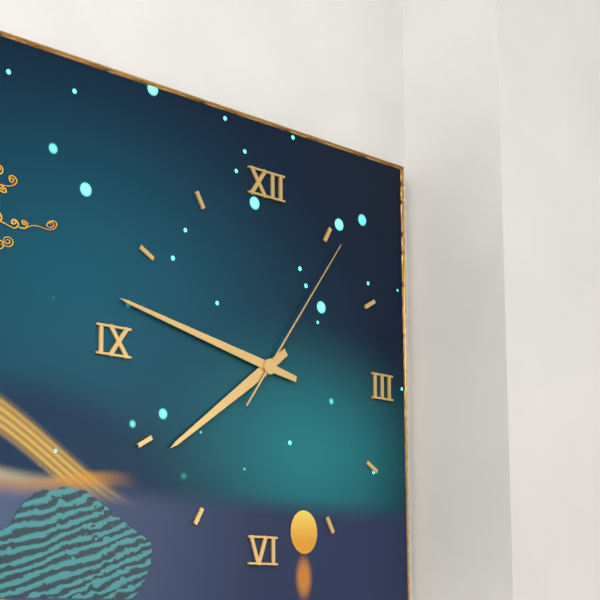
7.47.06
